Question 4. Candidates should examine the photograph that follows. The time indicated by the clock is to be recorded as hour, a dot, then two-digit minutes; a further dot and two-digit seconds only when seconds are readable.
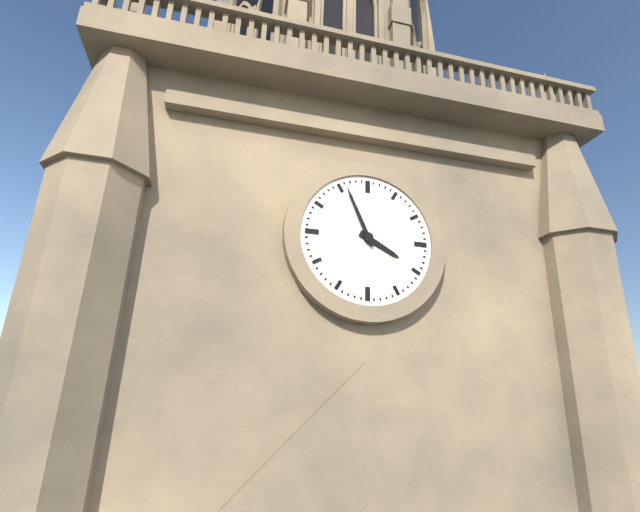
3.56
